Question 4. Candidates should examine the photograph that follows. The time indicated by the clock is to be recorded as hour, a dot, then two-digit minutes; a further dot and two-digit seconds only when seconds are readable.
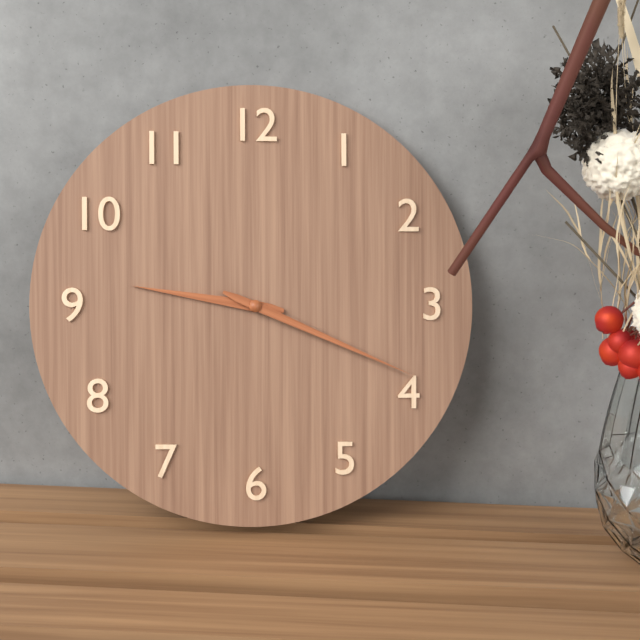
9.19
